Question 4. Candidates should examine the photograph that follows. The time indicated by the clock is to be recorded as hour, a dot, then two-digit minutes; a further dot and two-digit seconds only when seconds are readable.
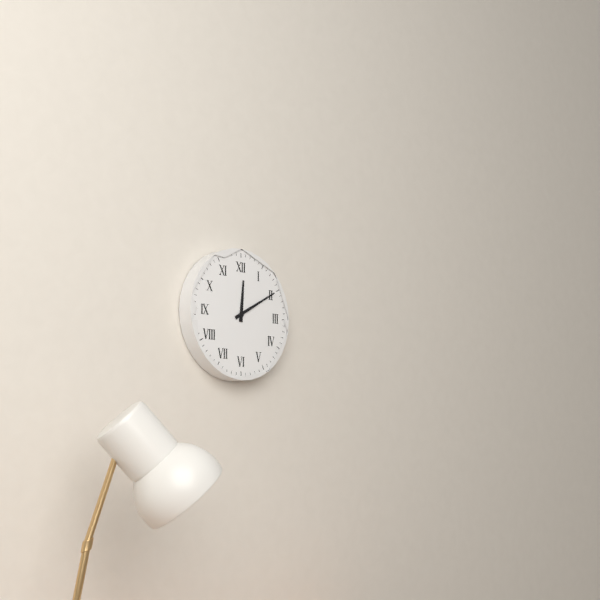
12.10
